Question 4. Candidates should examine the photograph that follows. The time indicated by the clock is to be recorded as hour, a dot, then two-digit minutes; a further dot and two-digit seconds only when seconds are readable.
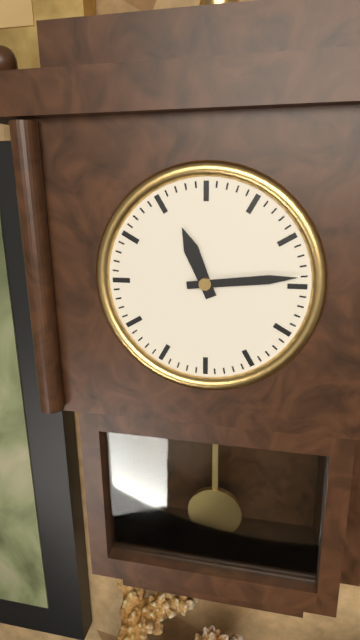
11.14
